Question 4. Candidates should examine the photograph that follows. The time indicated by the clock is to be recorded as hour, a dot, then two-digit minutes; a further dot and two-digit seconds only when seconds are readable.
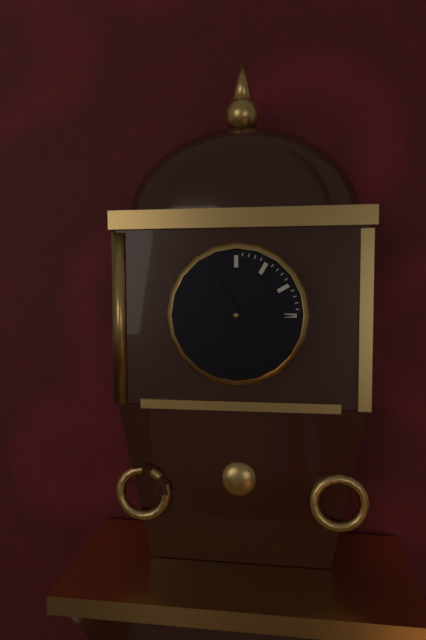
11.15
